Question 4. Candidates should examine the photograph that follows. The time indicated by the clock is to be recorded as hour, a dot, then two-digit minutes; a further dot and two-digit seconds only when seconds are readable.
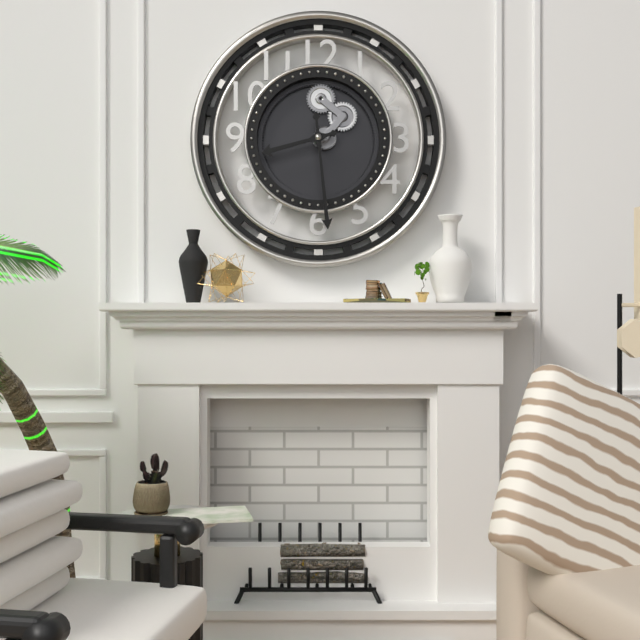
8.29
